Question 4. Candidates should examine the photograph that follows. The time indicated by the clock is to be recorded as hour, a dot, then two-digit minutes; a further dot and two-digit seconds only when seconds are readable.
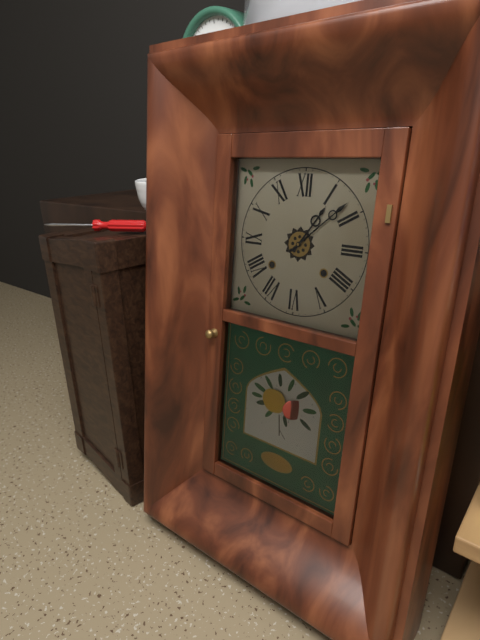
1.08
